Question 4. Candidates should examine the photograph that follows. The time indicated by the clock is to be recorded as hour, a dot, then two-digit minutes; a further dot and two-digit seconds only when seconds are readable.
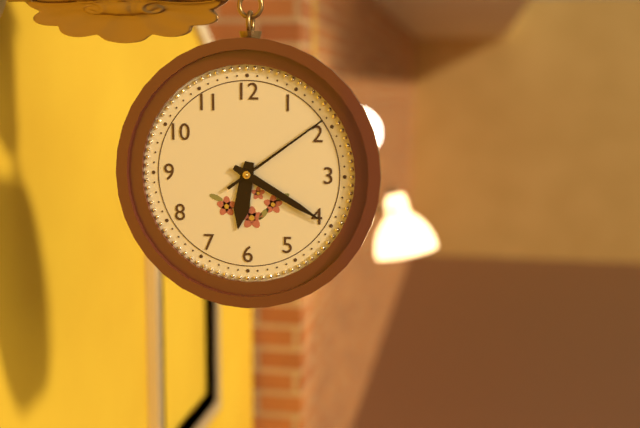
6.20.09
